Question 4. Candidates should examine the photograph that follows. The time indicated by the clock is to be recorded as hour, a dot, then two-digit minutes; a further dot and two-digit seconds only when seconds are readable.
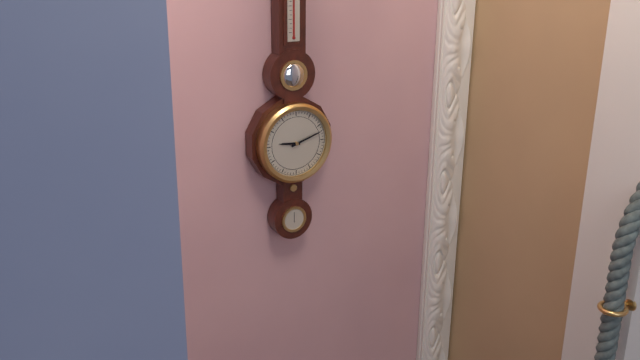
9.12
